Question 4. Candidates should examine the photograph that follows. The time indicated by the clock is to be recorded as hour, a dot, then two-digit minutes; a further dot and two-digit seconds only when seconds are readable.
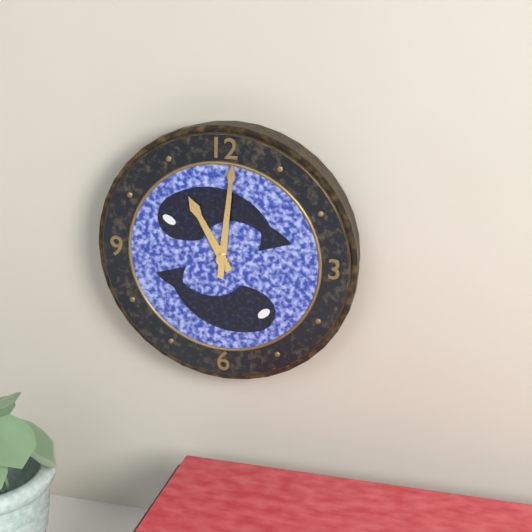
11.01
